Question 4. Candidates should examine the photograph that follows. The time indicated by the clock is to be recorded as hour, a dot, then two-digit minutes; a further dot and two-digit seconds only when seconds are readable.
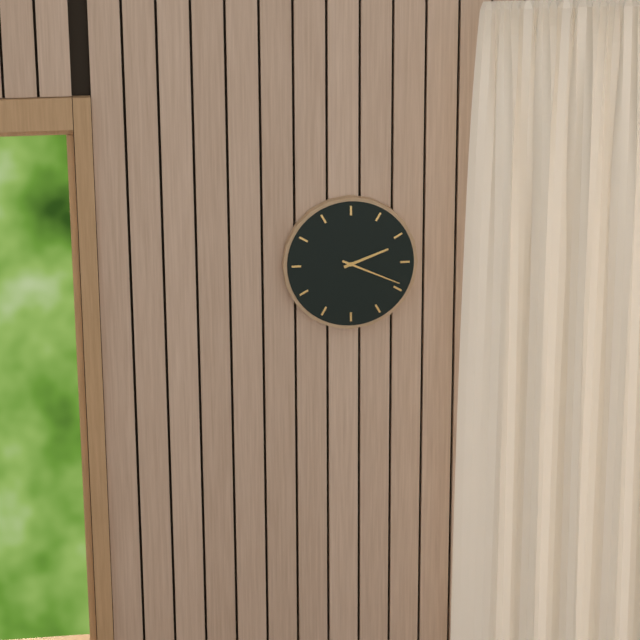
2.19
